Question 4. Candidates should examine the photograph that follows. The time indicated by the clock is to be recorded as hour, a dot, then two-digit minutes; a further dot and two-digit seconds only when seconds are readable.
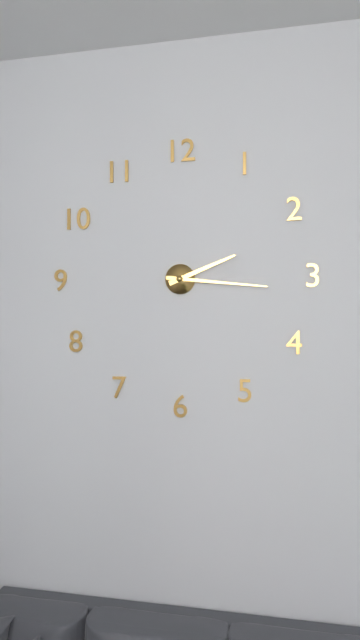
2.16
